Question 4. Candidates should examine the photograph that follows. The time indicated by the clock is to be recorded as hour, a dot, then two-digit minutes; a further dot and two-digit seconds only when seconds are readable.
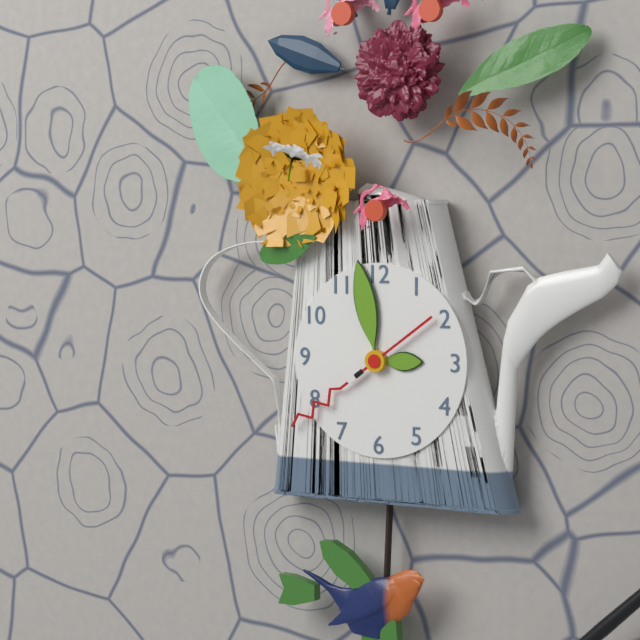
2.58.39
